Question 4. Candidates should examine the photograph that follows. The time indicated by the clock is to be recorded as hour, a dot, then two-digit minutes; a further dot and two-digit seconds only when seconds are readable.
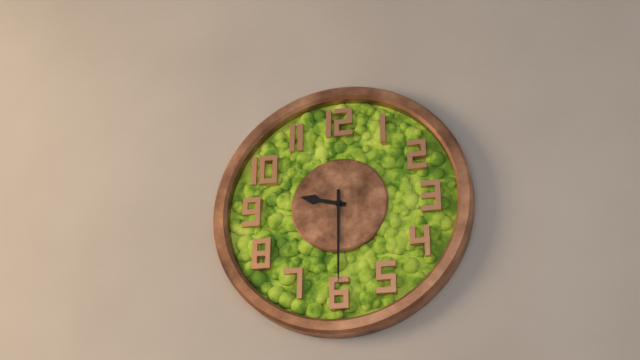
9.30
